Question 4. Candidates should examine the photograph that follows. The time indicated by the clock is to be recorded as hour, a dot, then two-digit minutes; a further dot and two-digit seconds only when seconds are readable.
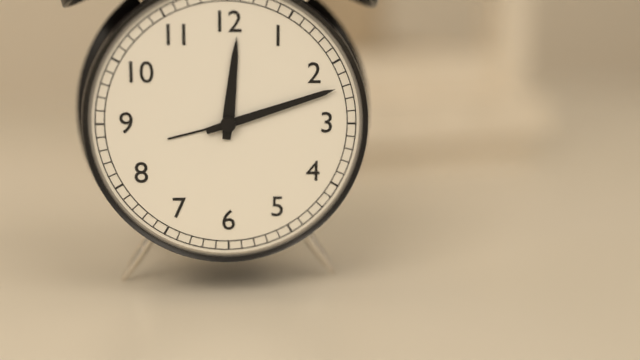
12.12
